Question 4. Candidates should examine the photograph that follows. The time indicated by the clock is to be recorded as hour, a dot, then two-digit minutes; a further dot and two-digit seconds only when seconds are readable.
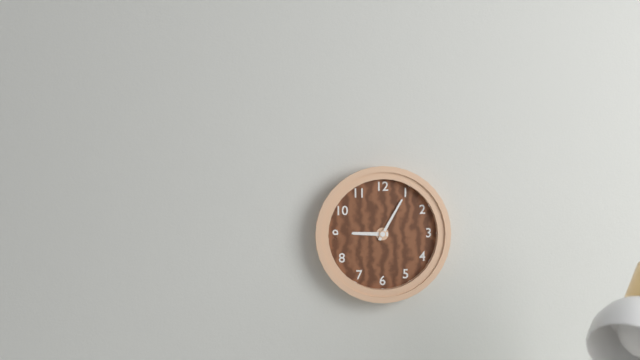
9.05
